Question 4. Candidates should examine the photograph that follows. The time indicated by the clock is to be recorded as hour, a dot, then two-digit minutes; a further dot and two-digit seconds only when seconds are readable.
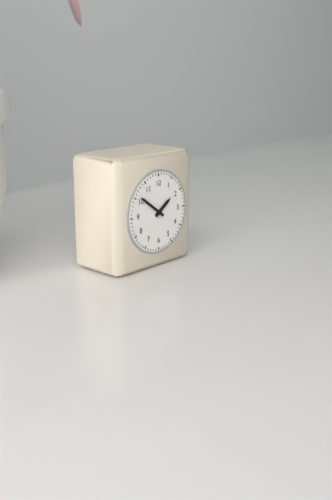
1.51
